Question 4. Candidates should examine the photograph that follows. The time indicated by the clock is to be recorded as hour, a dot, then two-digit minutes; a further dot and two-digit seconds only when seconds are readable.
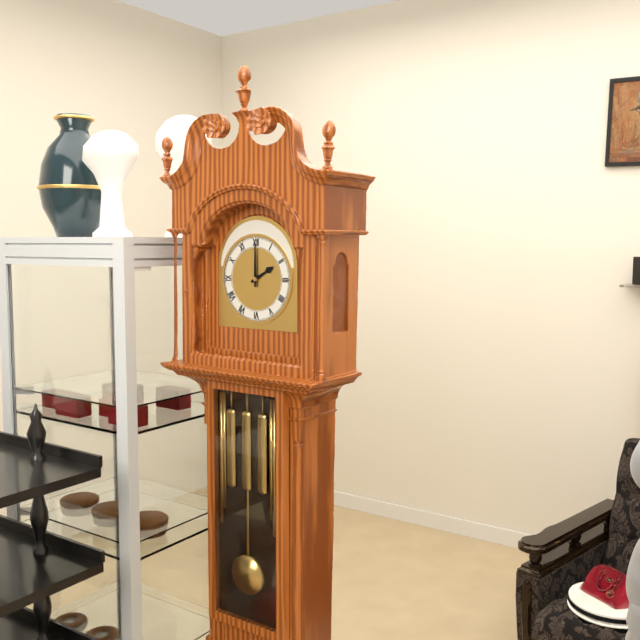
2.00
